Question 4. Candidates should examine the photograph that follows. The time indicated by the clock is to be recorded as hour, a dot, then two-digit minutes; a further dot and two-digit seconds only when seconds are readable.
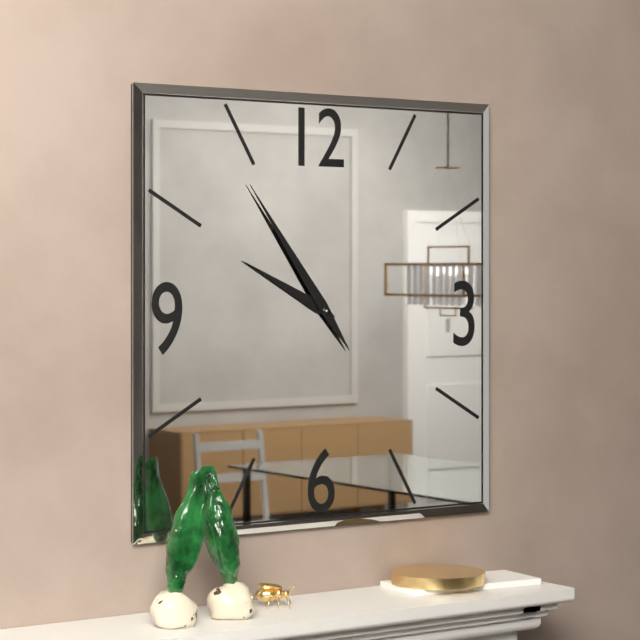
9.54
